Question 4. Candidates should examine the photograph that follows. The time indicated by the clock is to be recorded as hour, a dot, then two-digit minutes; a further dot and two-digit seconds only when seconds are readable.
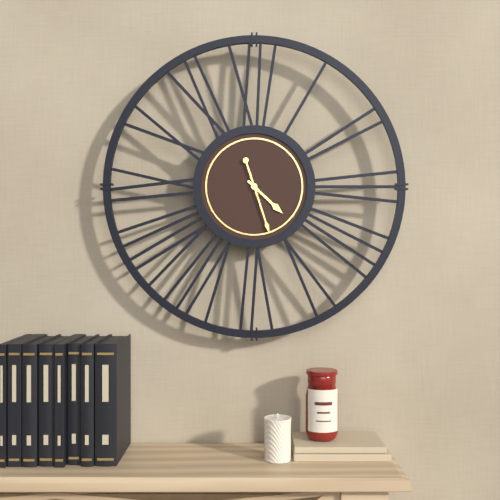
4.27
